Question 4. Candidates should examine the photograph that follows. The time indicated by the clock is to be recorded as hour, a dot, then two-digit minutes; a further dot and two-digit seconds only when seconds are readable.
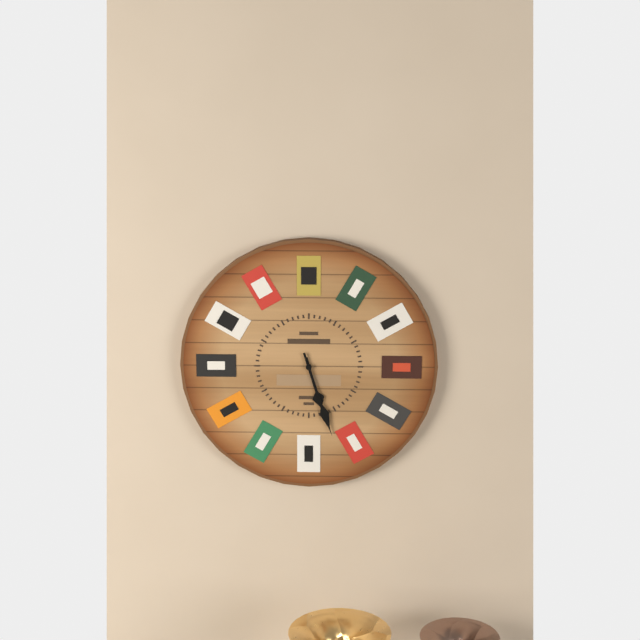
5.27
